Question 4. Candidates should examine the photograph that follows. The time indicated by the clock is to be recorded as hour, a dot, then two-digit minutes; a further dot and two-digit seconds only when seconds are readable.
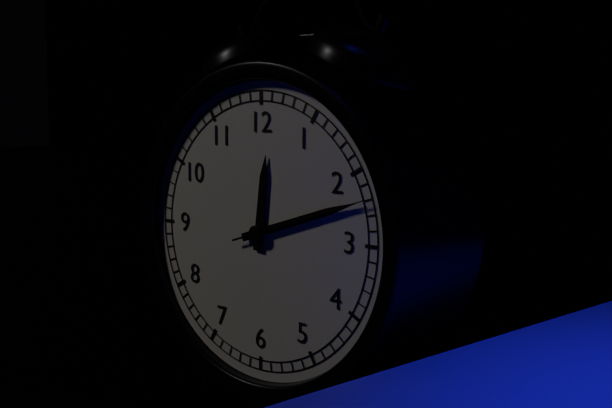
12.12.12
